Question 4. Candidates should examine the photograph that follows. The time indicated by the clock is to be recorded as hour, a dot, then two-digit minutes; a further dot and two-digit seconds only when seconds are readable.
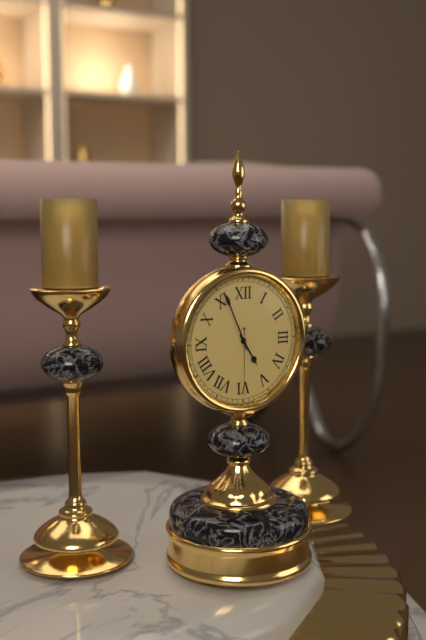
4.56.30
